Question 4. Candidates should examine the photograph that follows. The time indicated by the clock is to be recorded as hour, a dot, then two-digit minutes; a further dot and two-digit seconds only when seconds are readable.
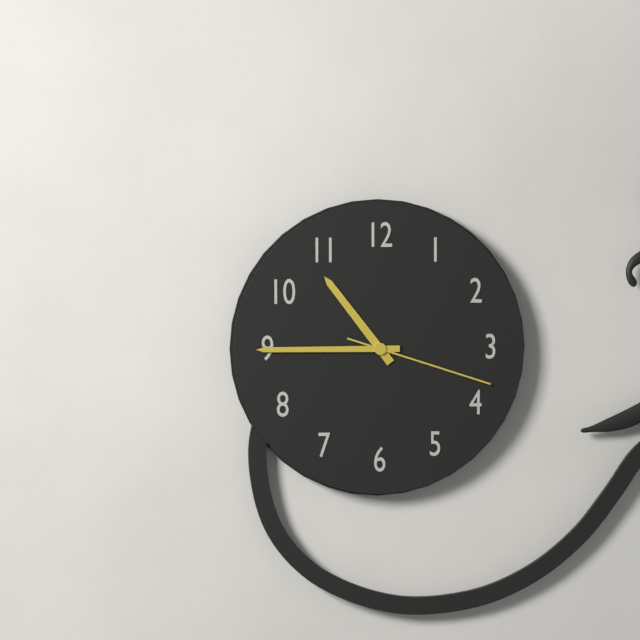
10.45.18
